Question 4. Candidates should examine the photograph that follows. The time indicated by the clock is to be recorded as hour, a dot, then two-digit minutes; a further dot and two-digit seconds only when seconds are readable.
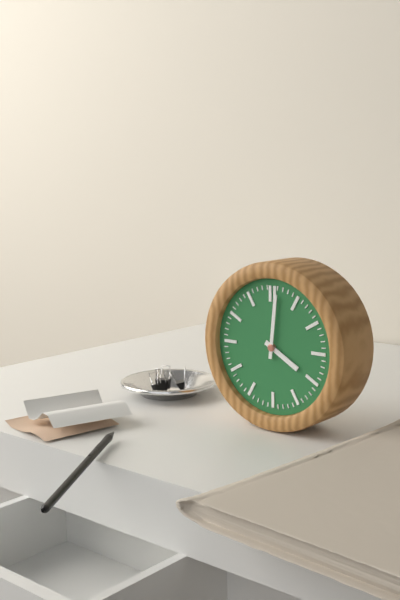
4.01
